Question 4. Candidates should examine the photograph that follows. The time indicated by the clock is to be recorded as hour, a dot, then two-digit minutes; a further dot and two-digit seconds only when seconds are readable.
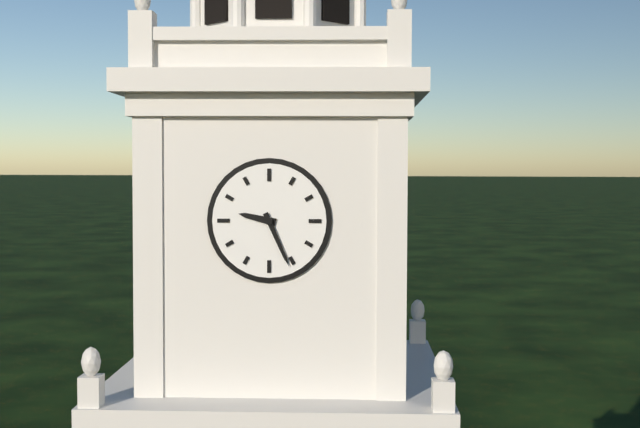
9.26
